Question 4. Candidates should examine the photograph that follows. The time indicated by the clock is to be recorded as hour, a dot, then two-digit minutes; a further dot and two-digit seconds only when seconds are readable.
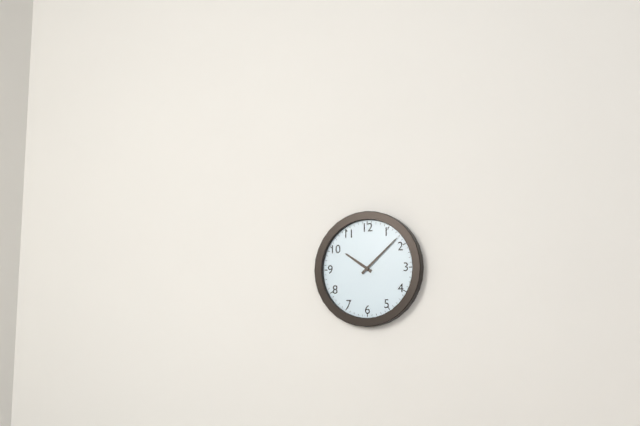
10.08
